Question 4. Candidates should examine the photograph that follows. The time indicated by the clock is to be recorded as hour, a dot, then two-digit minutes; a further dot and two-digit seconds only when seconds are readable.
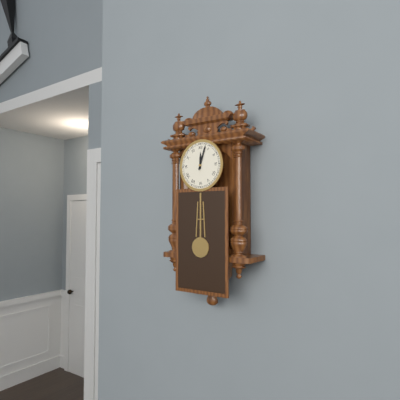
12.03
